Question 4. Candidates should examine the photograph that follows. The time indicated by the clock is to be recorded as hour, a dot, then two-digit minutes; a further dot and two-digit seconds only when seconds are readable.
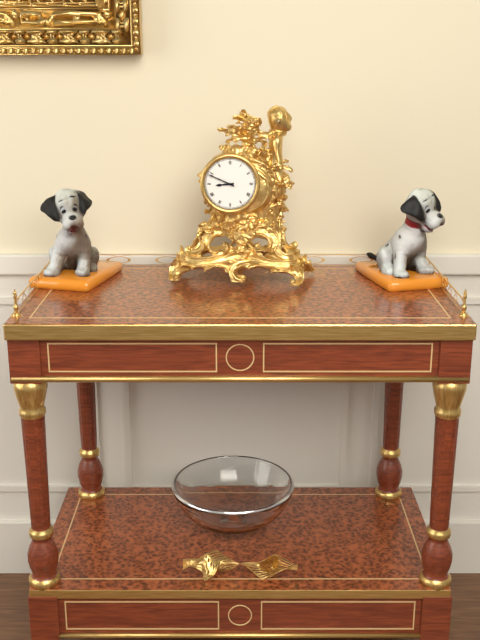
8.49
